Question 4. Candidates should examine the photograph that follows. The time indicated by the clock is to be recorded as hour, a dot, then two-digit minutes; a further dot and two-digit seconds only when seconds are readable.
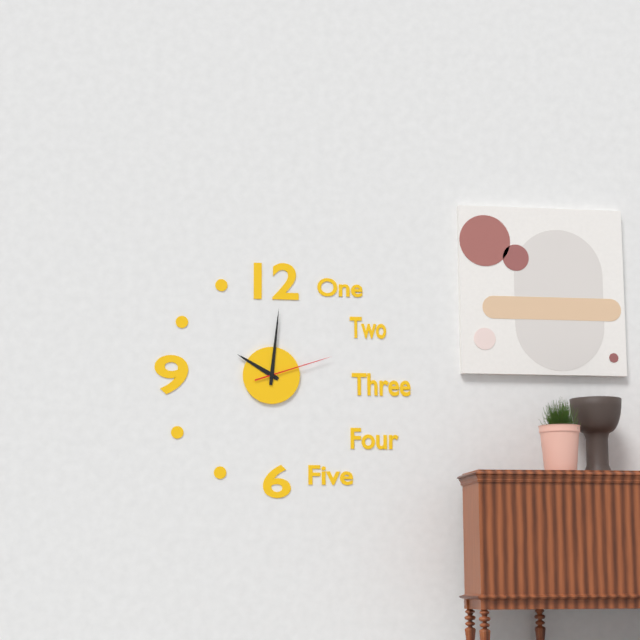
10.01.12
